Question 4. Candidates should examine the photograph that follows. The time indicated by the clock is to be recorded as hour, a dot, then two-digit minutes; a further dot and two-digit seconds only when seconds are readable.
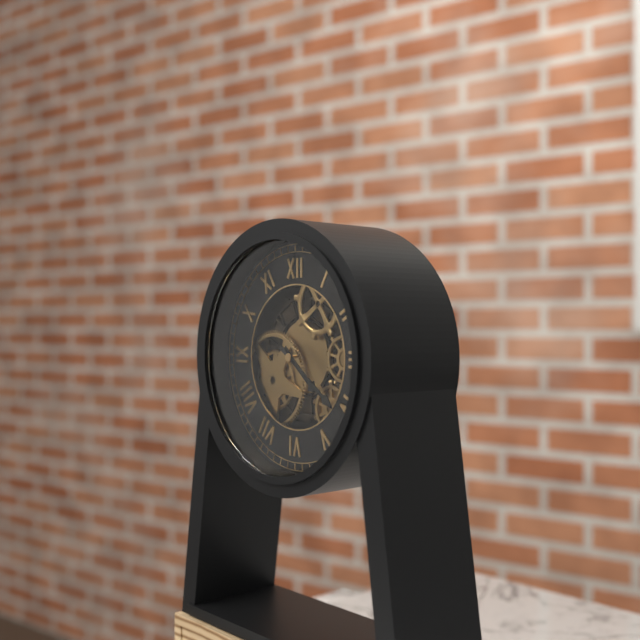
4.21
